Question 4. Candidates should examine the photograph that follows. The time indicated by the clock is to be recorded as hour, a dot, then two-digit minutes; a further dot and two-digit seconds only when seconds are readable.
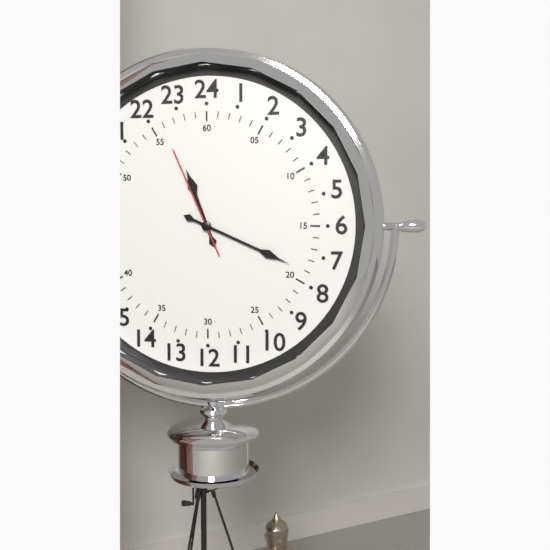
11.19.56
